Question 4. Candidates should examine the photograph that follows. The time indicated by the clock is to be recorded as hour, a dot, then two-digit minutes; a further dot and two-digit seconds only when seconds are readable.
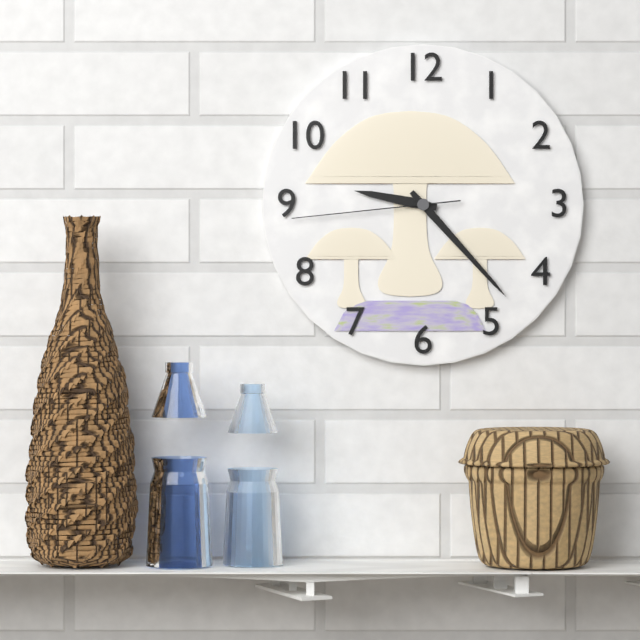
9.23.44
